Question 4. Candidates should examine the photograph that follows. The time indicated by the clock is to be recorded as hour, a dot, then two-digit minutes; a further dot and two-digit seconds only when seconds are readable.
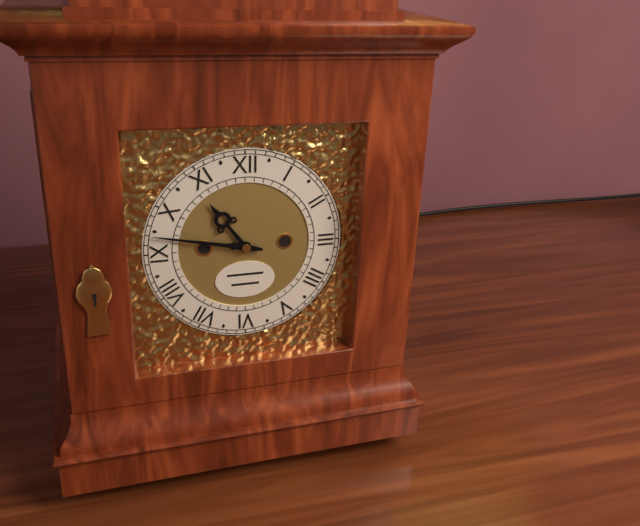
10.47
